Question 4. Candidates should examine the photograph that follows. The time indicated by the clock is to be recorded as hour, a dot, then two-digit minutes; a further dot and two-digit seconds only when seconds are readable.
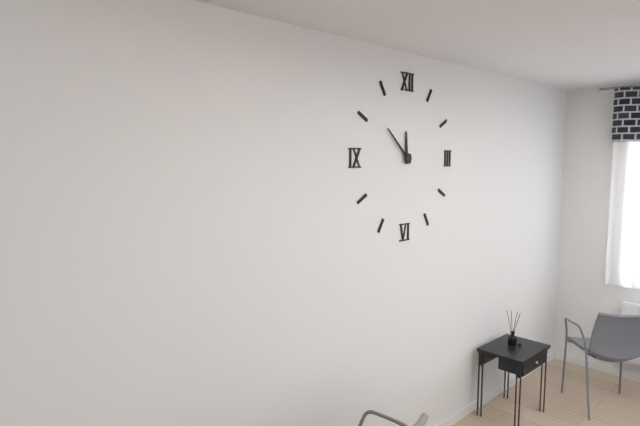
11.52
